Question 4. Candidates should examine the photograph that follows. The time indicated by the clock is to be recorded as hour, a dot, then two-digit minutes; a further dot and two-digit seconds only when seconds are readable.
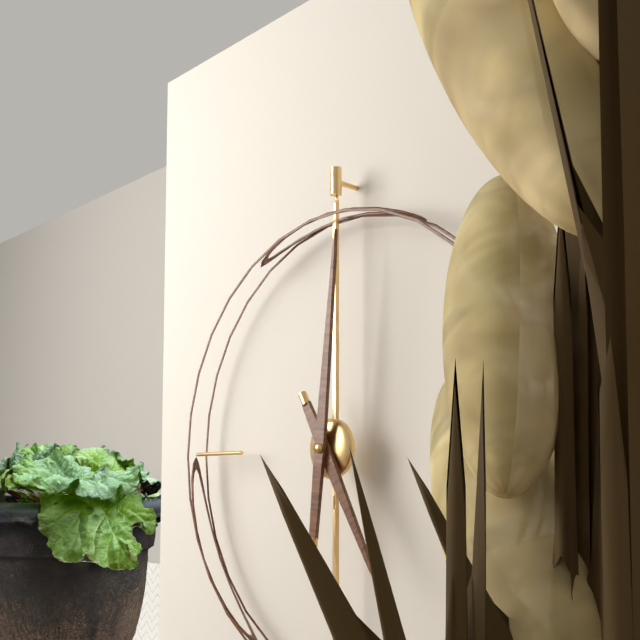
5.01
